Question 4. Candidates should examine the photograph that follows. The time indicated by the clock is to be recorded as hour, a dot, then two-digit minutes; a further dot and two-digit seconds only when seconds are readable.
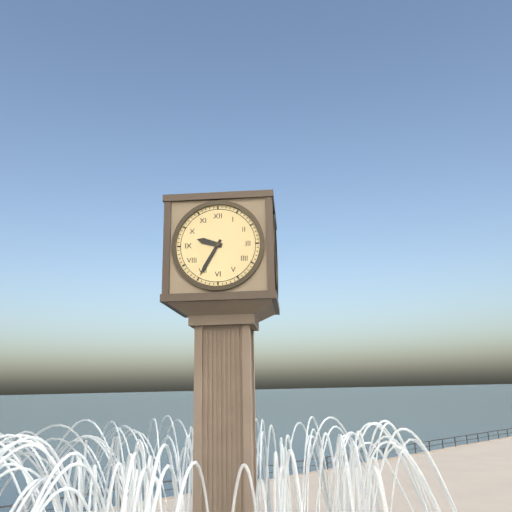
9.35
